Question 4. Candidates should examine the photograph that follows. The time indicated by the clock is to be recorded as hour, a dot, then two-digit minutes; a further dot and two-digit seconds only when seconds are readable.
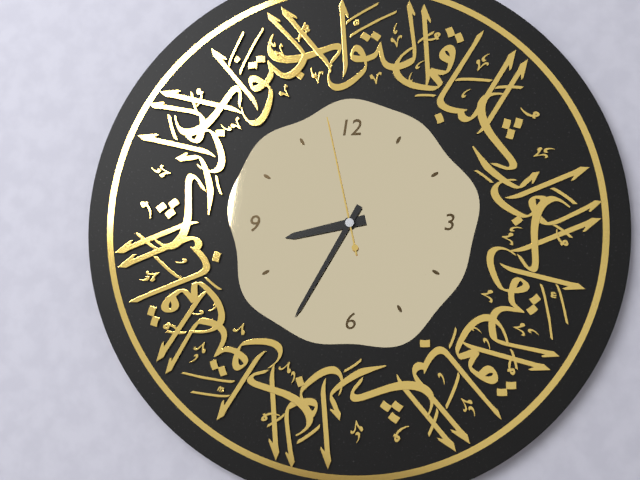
8.35.58
